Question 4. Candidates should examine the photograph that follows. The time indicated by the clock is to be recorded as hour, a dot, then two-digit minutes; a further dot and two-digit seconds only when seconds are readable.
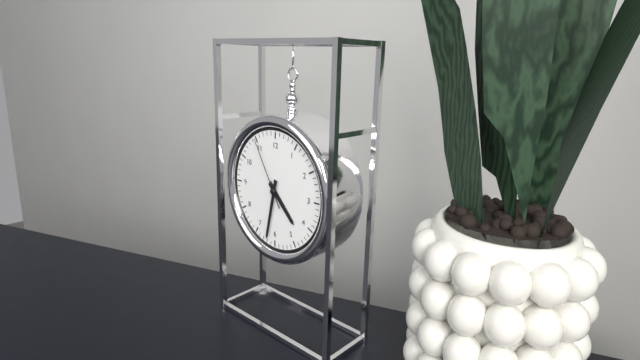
4.32.55
